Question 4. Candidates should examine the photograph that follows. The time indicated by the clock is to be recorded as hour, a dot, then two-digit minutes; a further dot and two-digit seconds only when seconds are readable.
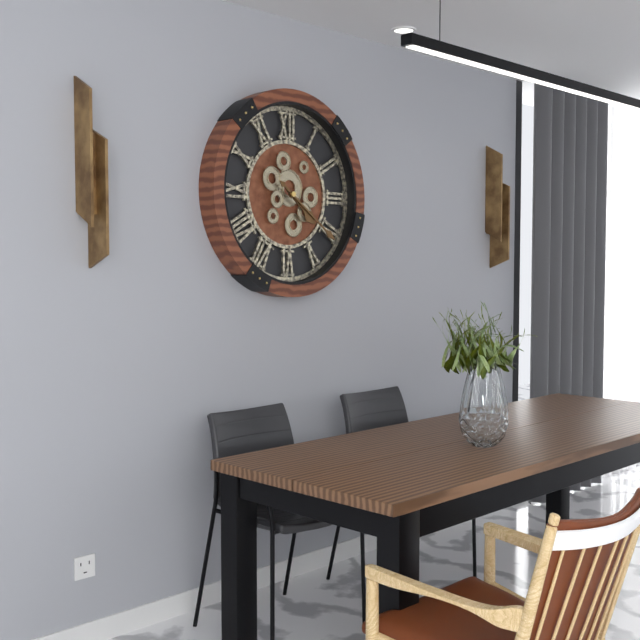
4.21
